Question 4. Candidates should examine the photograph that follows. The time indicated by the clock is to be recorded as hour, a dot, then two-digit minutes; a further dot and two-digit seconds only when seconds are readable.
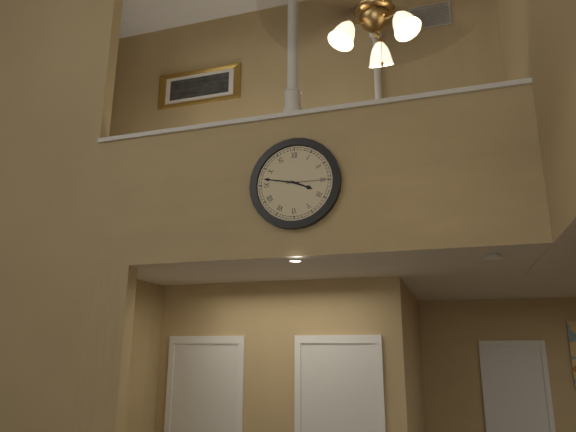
3.47
